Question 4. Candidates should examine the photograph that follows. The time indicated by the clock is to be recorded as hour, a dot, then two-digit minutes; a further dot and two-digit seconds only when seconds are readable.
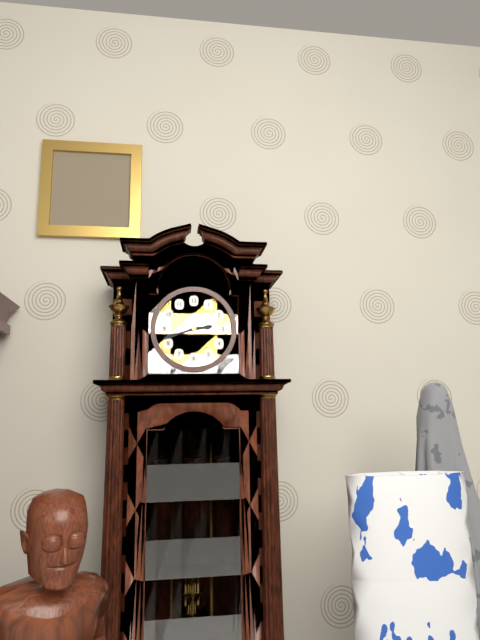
2.42
